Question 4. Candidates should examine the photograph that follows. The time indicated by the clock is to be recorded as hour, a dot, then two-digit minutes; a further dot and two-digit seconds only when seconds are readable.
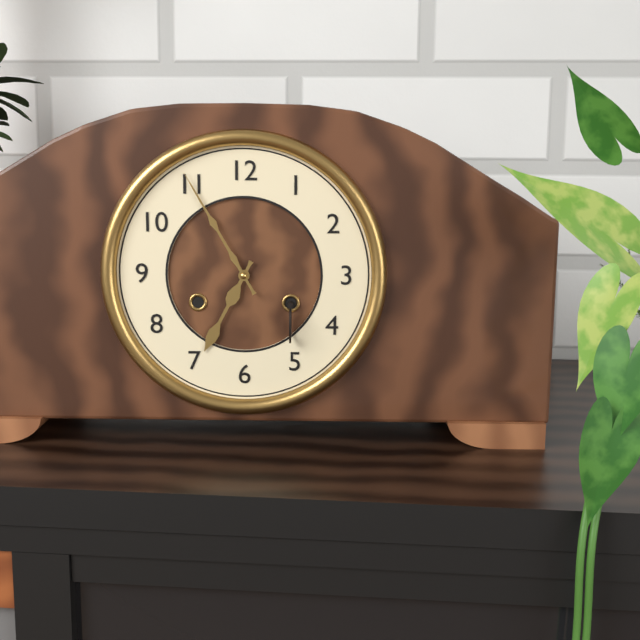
6.55
